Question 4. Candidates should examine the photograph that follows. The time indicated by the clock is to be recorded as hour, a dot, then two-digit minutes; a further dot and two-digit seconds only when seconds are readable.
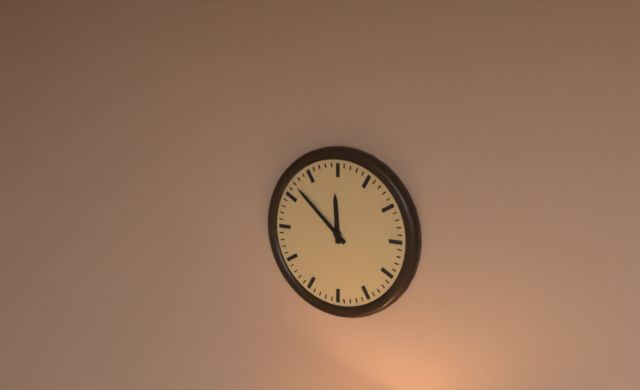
11.52
